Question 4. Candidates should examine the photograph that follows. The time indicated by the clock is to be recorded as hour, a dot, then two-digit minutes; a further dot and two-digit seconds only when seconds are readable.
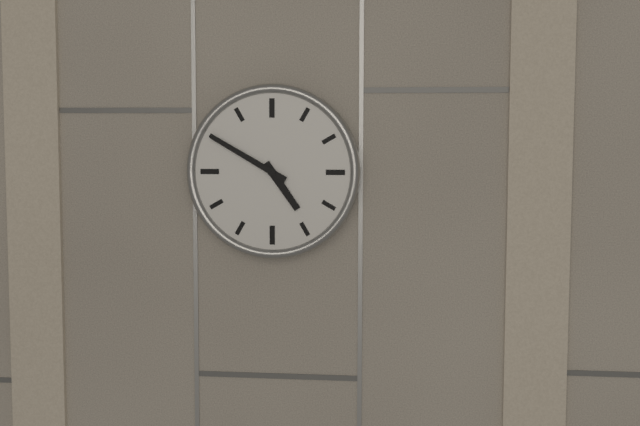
4.50
